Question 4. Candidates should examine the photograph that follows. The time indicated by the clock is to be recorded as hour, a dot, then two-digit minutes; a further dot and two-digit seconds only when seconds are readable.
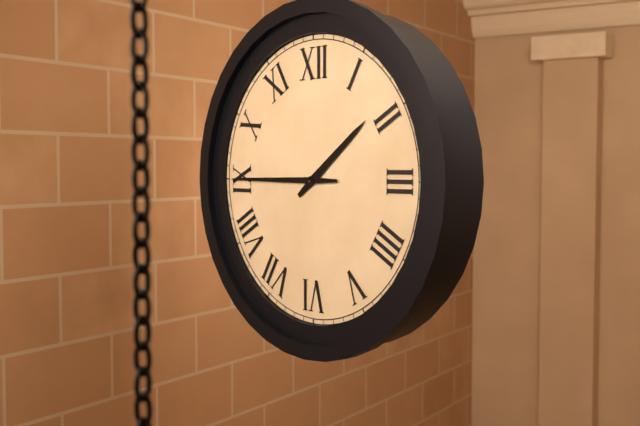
1.45
